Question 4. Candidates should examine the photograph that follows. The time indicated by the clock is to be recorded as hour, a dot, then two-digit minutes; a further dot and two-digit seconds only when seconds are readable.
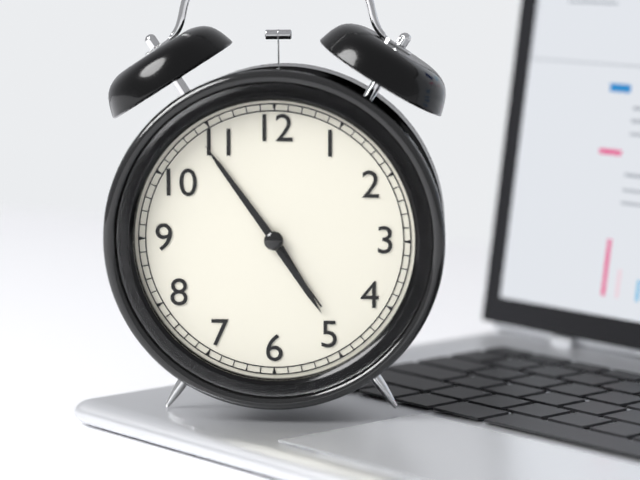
4.54.24
